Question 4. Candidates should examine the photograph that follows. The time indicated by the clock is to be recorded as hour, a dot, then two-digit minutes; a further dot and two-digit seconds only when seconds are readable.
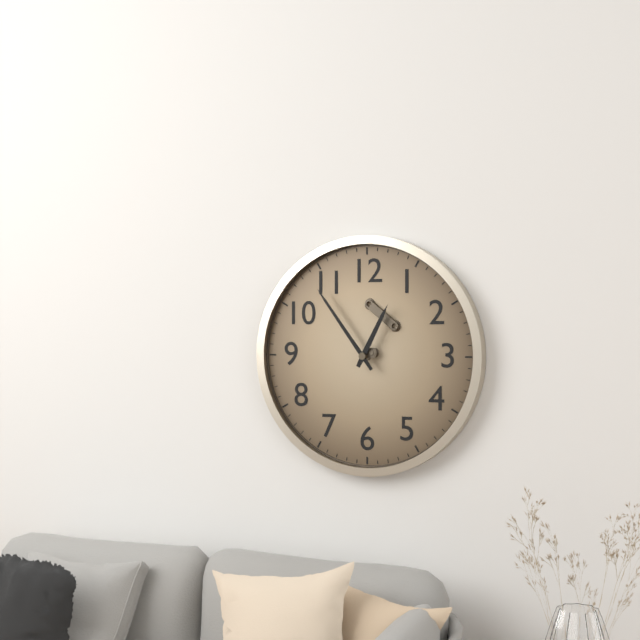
12.54
